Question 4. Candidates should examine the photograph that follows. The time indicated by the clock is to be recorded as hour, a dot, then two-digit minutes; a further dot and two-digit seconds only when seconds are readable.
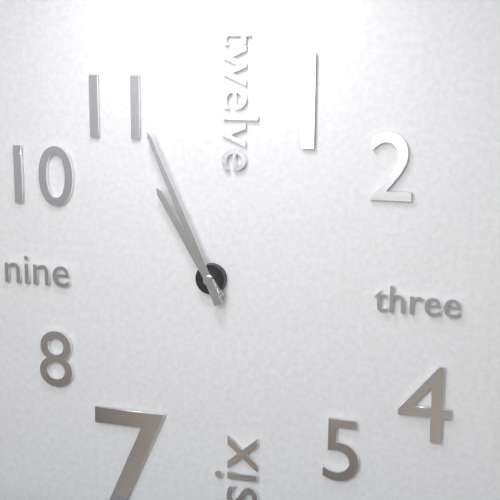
10.56
